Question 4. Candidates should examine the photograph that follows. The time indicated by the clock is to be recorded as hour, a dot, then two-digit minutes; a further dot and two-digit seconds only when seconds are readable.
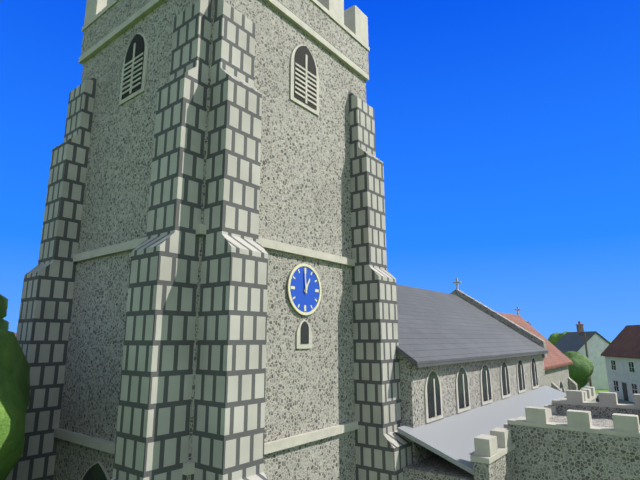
12.59
